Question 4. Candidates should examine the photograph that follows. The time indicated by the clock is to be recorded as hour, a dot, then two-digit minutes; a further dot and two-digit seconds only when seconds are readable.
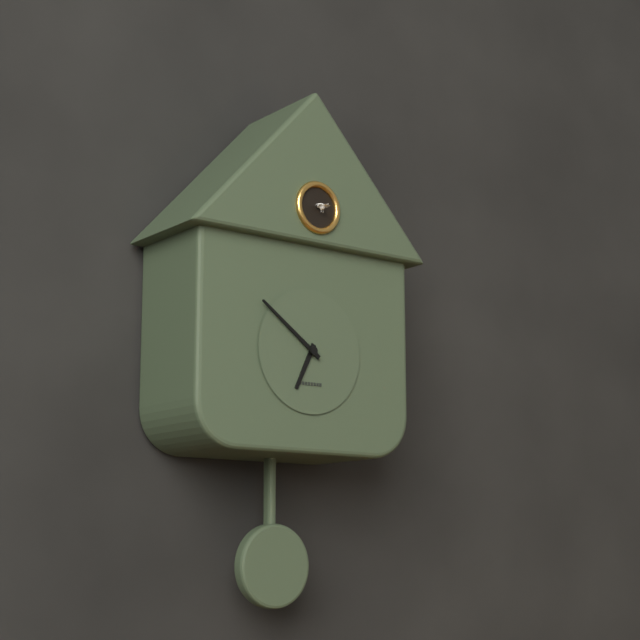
6.51
